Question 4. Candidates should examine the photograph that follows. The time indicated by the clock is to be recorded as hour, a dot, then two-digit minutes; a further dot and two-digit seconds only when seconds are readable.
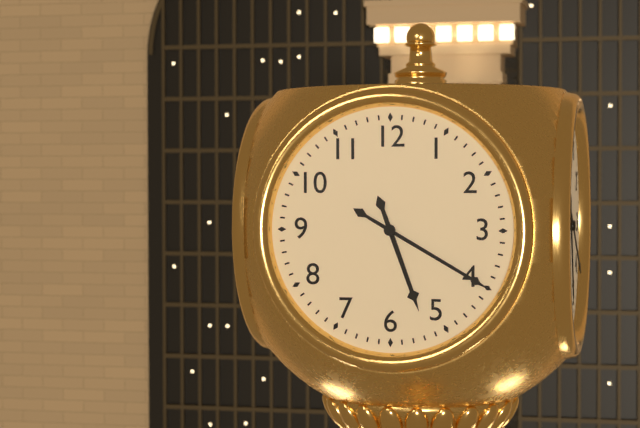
5.20
